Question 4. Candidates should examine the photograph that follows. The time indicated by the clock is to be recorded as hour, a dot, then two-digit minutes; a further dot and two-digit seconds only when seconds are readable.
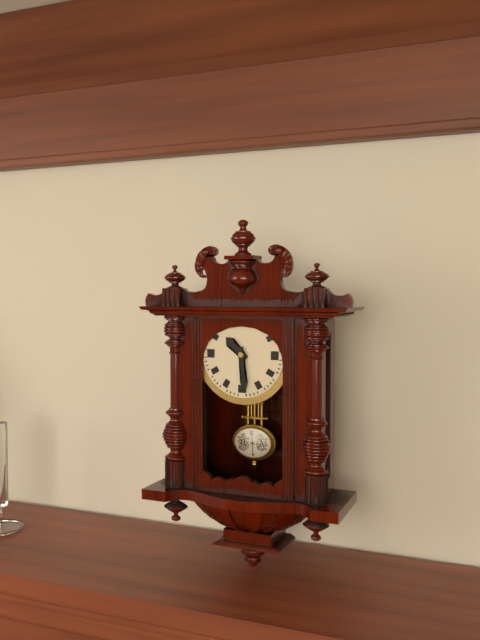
10.29
